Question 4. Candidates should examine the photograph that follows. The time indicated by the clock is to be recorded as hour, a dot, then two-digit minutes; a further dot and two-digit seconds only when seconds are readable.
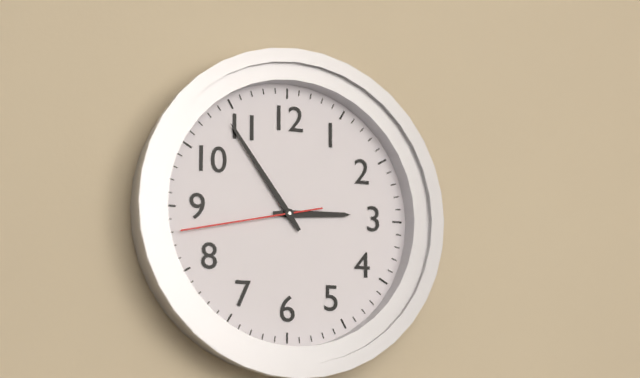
2.54.43
